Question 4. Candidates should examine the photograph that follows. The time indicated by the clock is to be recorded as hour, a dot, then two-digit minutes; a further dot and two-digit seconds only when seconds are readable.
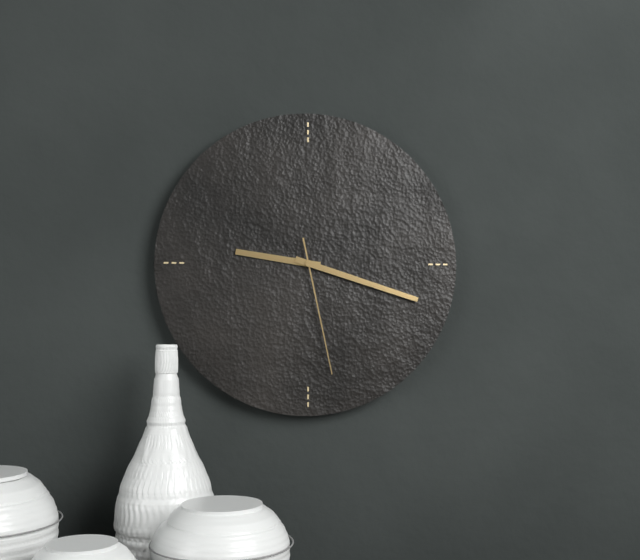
9.18.28
